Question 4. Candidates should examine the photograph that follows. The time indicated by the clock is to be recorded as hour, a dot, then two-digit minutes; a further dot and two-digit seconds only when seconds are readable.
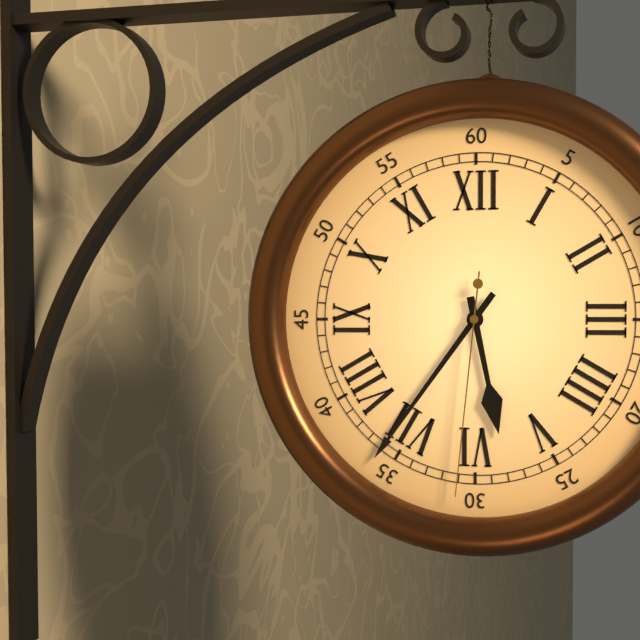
5.36.31
